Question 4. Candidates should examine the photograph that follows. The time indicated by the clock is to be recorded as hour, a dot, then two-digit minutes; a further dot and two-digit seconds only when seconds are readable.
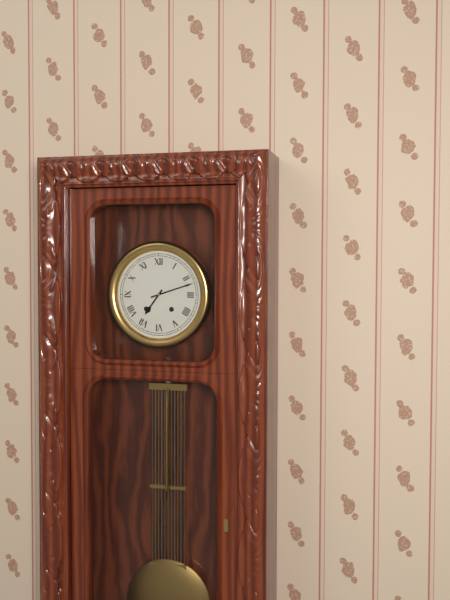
7.12
